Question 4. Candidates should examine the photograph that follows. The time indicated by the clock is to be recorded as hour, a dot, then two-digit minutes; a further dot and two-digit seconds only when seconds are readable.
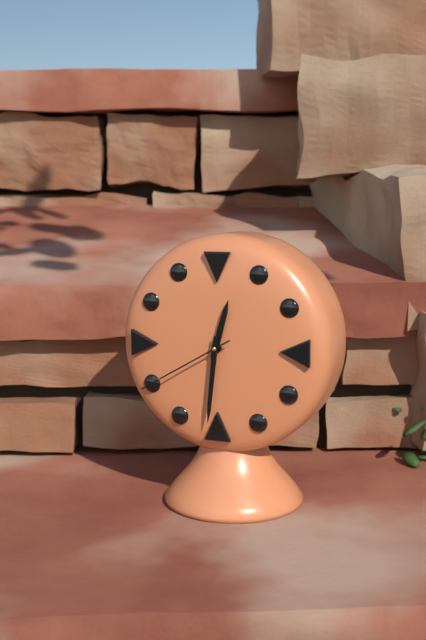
12.31.40
